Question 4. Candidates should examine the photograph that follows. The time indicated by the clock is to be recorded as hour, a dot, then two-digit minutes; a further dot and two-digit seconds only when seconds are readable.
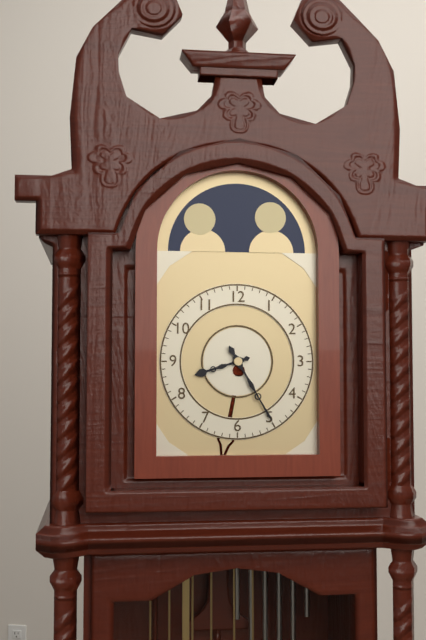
8.25
